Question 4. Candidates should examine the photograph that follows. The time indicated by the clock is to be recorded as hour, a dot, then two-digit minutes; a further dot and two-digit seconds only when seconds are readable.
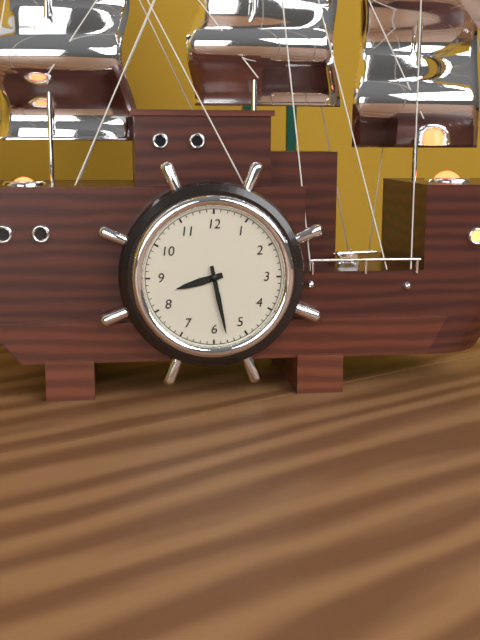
8.28
